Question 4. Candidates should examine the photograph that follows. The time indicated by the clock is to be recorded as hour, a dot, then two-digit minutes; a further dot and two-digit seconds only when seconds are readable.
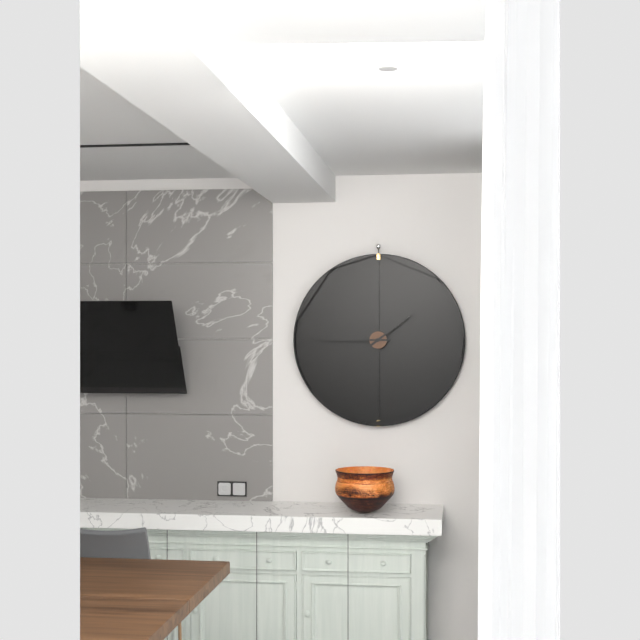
1.45
